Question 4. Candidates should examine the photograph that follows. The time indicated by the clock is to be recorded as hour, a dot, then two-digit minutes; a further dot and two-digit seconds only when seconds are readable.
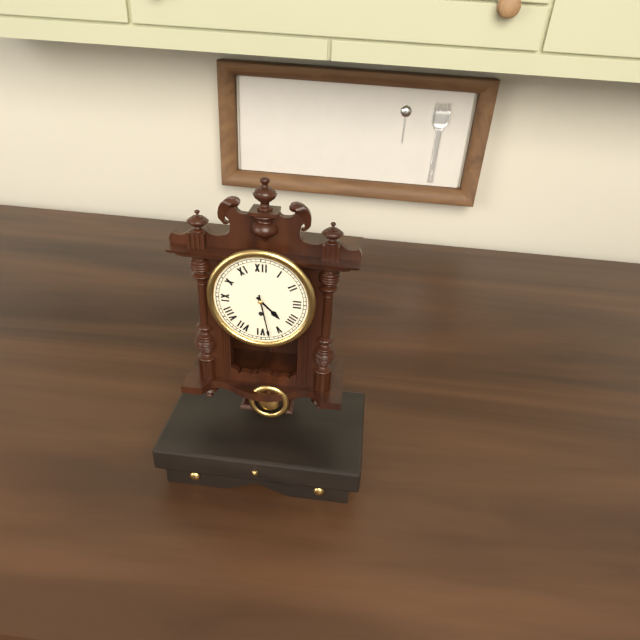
4.28
